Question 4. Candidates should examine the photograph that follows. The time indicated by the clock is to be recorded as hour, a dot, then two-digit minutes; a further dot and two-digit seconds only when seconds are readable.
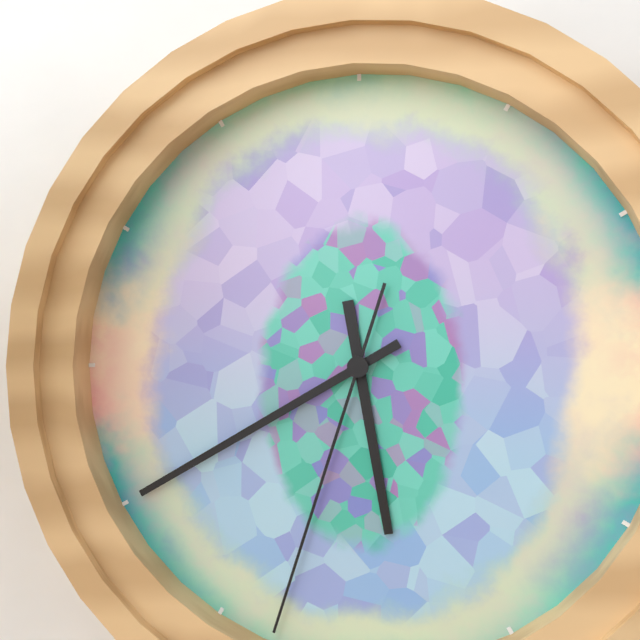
5.40.33
